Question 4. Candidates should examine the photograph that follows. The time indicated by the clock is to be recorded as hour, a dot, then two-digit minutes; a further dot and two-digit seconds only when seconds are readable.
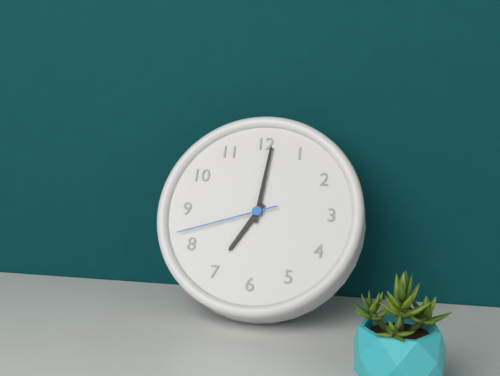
7.01.42
